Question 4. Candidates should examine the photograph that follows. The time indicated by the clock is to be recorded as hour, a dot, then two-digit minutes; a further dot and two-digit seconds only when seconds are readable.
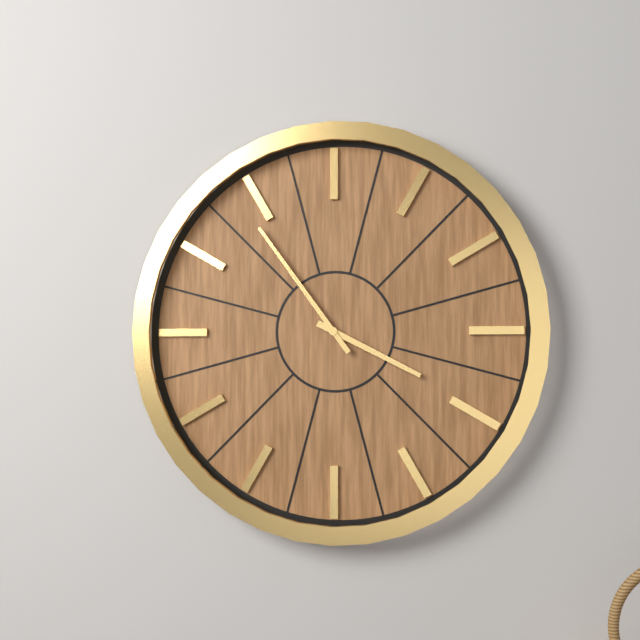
3.54
